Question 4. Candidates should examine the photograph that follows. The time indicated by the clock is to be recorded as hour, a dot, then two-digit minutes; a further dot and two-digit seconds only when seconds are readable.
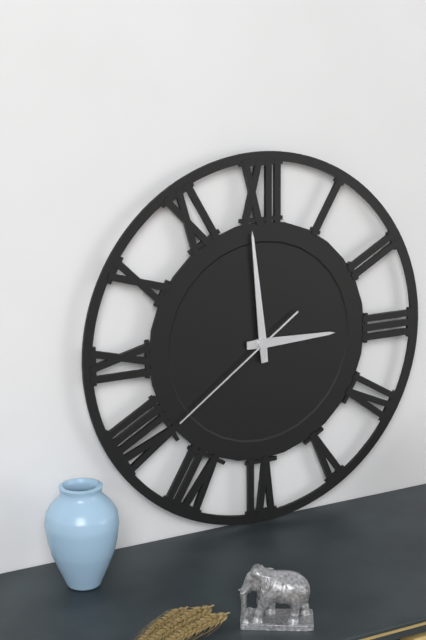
2.59.39
